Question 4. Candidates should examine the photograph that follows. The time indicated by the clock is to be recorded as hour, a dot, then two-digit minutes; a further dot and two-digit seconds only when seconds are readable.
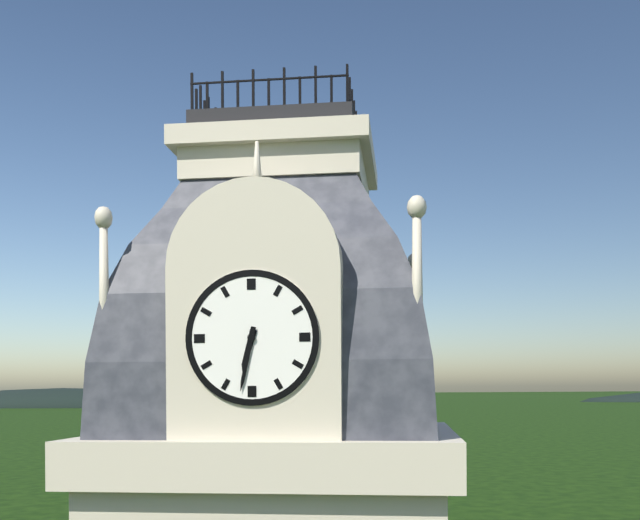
6.32
